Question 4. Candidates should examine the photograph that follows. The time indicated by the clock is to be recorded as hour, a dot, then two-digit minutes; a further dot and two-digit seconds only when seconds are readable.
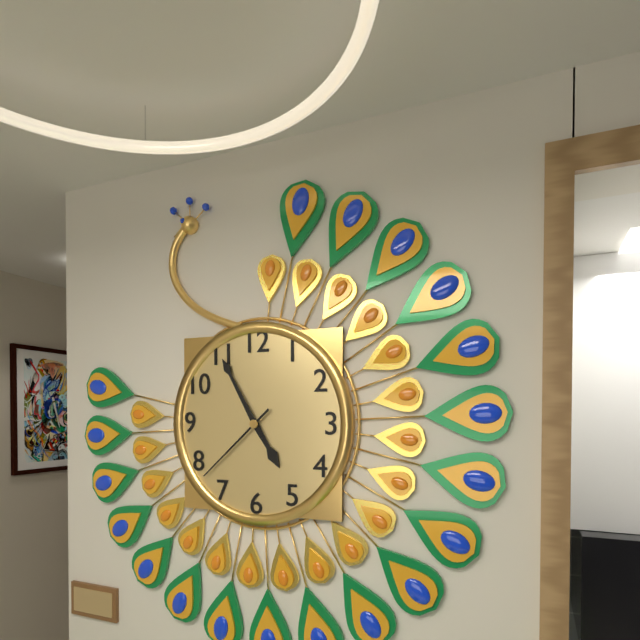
4.55.38
